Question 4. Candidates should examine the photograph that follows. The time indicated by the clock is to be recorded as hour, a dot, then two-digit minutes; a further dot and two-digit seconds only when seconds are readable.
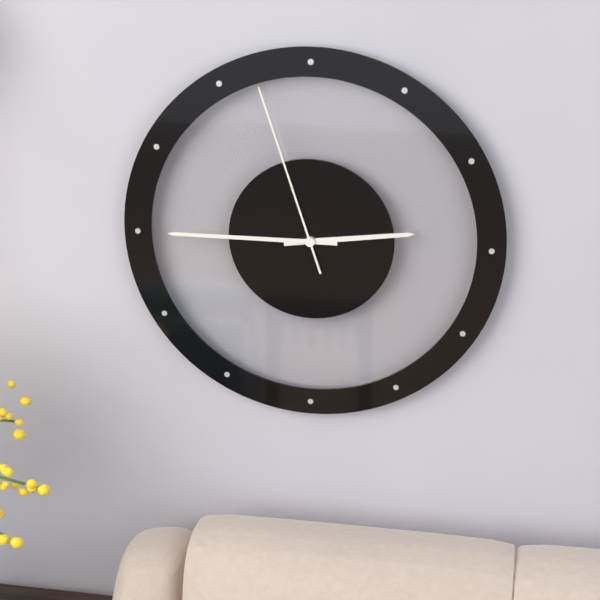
2.45.57
